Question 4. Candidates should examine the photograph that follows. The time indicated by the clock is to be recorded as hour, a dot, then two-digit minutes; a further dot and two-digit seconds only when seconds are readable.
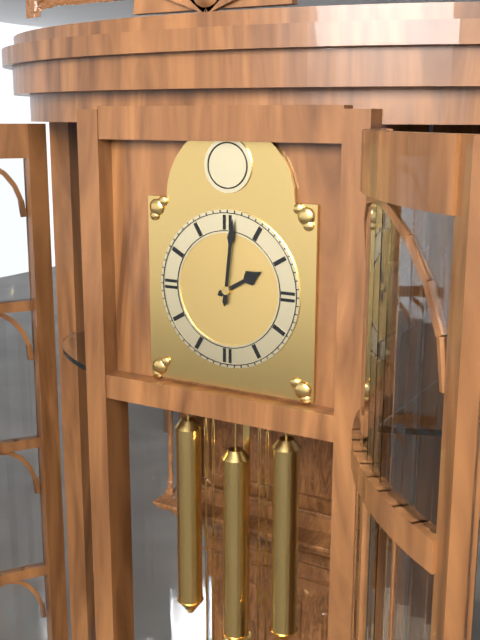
2.01
